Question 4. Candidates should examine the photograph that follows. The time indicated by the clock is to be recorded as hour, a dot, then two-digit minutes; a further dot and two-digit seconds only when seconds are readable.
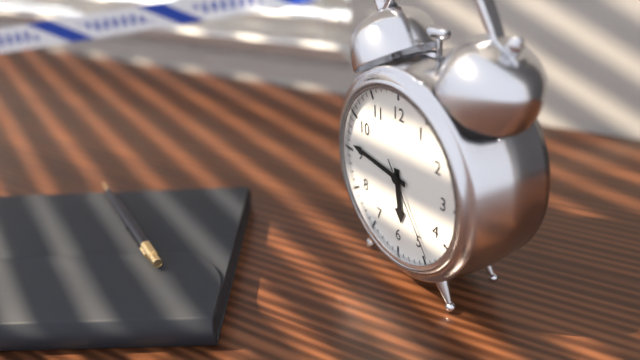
5.46.24
